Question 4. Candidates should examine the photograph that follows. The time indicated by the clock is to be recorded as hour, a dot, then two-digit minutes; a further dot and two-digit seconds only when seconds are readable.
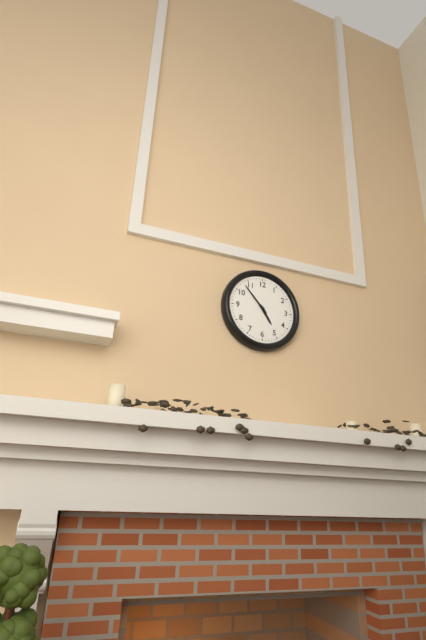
4.53
